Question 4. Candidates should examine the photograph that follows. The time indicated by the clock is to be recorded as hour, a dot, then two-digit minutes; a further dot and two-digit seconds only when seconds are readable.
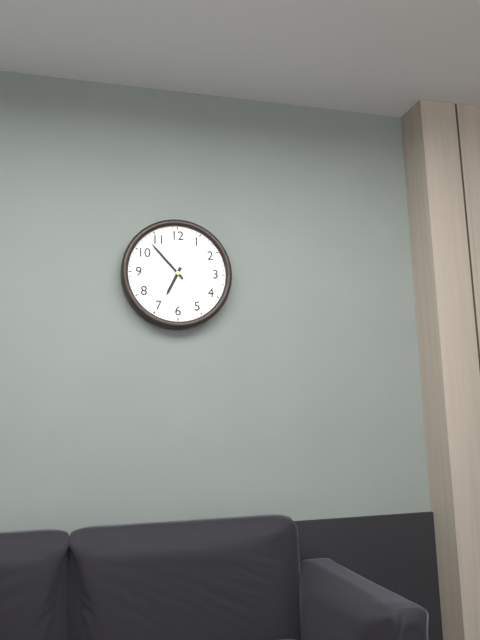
6.53
